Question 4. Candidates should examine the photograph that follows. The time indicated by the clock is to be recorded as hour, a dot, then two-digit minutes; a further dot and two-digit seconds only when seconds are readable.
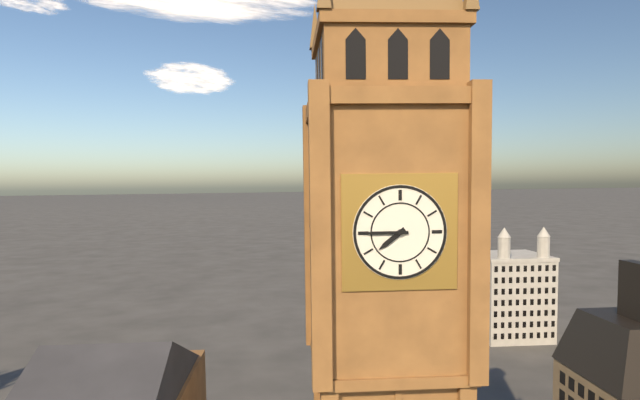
7.45
